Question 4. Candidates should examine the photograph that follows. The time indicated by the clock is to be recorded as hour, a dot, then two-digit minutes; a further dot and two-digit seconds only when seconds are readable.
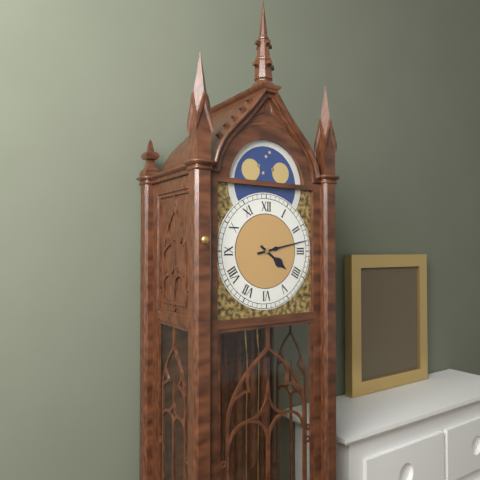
4.13
